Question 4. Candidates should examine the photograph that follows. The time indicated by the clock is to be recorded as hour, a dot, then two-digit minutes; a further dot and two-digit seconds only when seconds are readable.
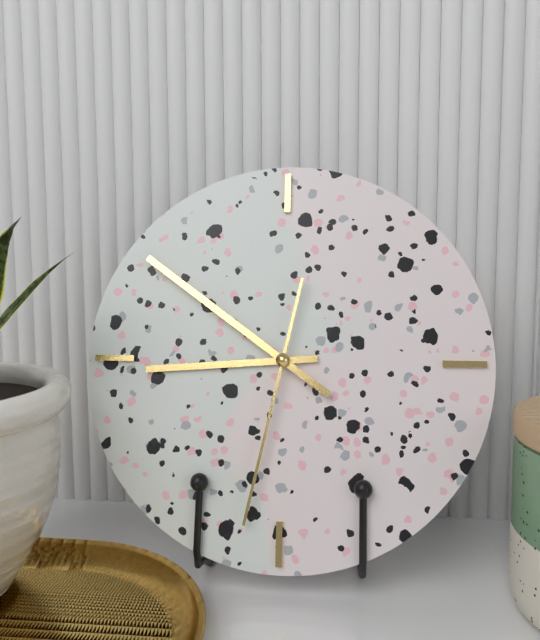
8.51.32
